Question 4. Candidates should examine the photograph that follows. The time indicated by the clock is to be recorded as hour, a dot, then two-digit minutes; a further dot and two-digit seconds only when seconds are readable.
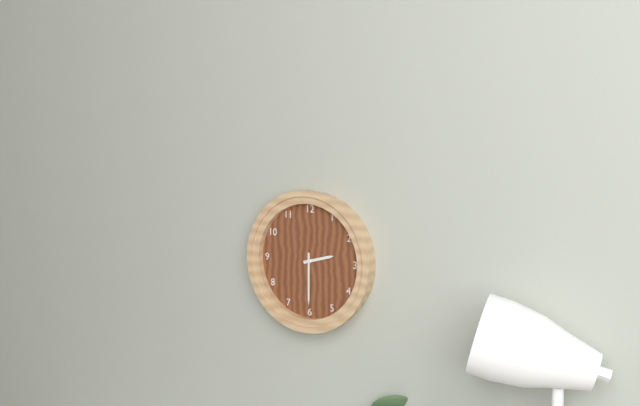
2.30
